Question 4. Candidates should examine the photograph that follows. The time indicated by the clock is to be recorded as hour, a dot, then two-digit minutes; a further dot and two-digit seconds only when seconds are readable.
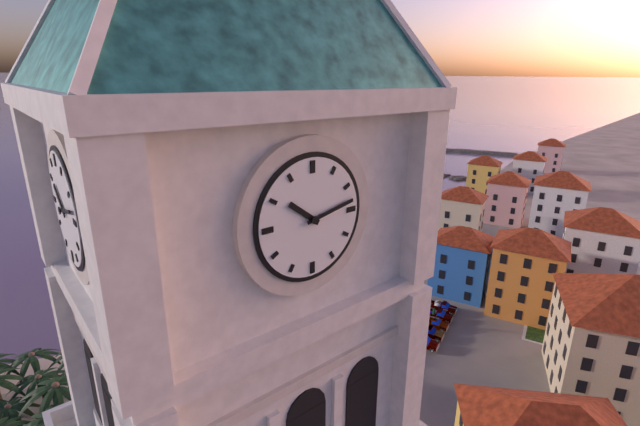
10.13
